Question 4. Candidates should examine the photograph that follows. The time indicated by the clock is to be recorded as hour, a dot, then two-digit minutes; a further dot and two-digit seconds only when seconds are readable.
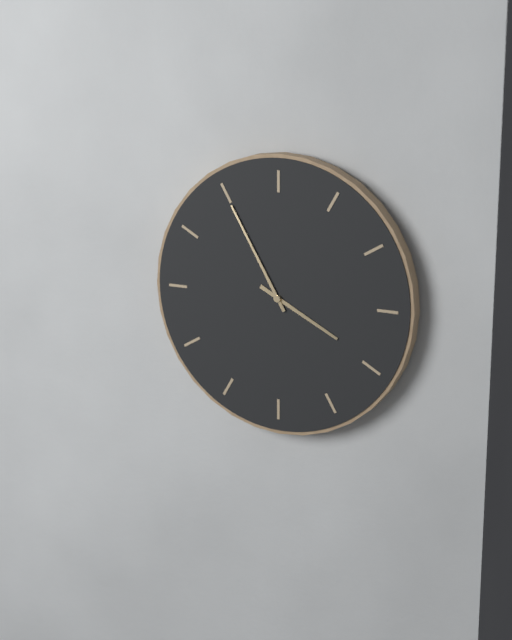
3.55
